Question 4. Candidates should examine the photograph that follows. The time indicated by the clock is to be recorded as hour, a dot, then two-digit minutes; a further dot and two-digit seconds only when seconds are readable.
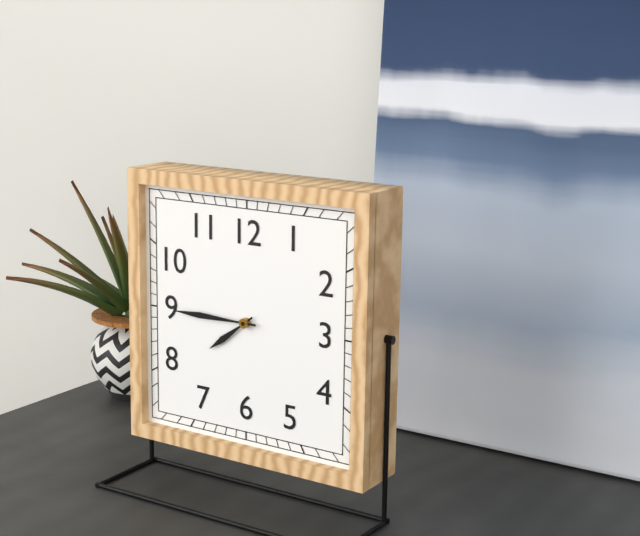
7.45
